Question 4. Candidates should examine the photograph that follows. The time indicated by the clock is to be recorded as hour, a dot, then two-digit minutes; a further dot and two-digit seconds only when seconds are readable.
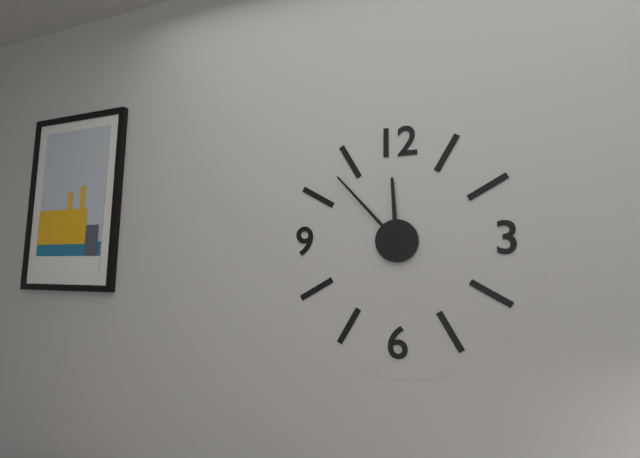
11.53
